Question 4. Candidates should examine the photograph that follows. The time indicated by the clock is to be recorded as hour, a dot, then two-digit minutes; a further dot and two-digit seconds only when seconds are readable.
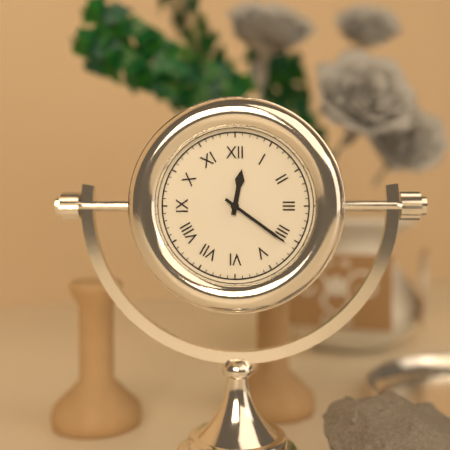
12.21
